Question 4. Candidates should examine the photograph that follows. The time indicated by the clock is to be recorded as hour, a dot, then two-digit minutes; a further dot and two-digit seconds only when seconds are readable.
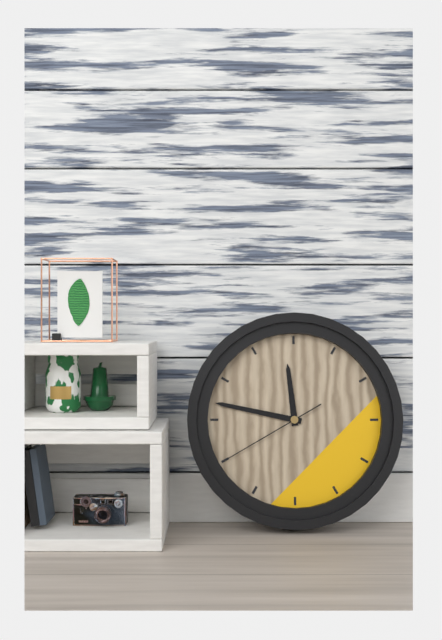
11.47.40
